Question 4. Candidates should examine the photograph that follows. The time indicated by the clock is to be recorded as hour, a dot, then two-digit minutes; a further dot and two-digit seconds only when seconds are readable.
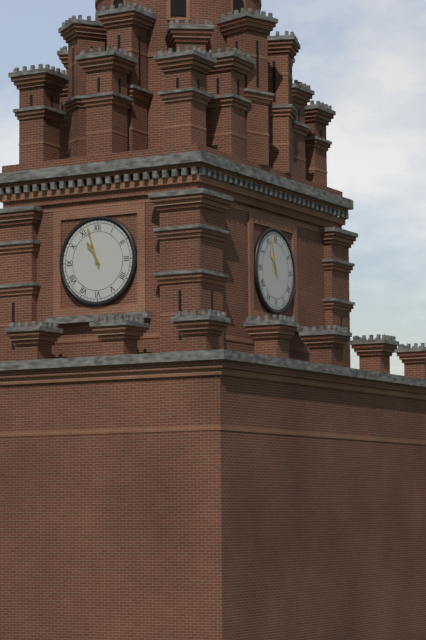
10.57
